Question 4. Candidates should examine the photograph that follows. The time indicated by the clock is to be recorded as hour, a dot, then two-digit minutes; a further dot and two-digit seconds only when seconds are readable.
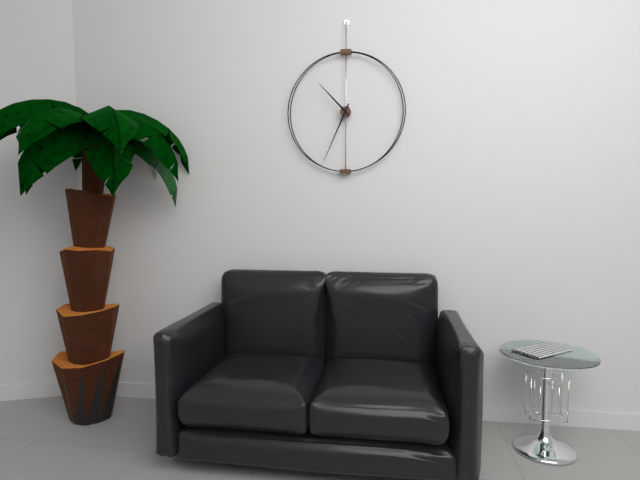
10.34
